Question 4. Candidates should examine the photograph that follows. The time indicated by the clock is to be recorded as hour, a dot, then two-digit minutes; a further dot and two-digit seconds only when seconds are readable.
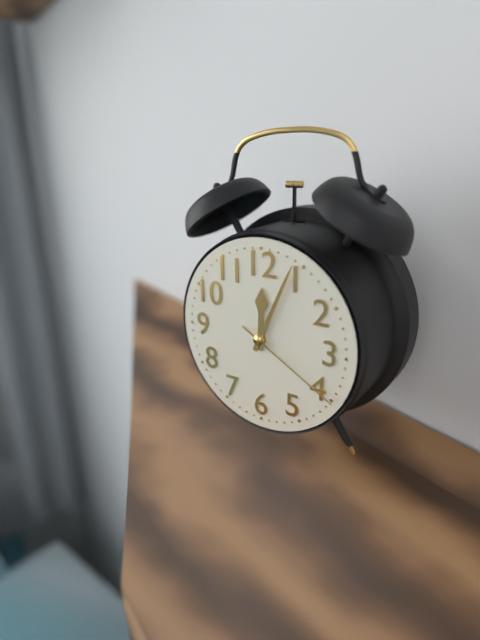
12.04.20
